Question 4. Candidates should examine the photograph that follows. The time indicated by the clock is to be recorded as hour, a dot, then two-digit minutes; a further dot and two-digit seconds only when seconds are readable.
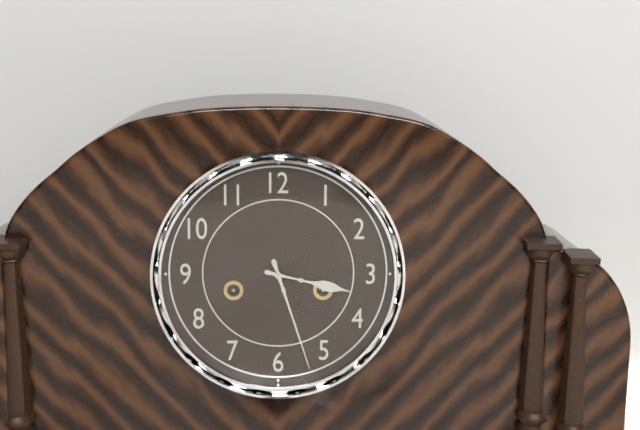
3.27
